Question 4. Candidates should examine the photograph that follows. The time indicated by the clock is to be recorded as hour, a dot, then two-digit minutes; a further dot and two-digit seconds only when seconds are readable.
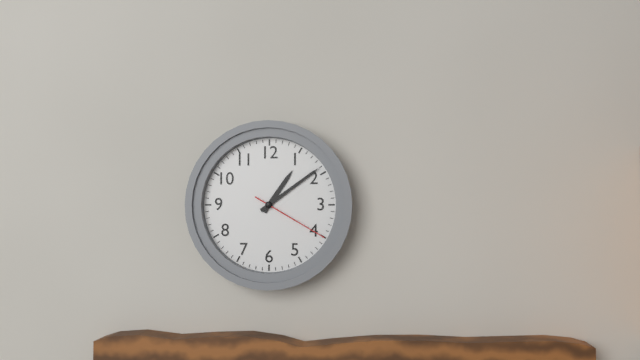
1.09.20
